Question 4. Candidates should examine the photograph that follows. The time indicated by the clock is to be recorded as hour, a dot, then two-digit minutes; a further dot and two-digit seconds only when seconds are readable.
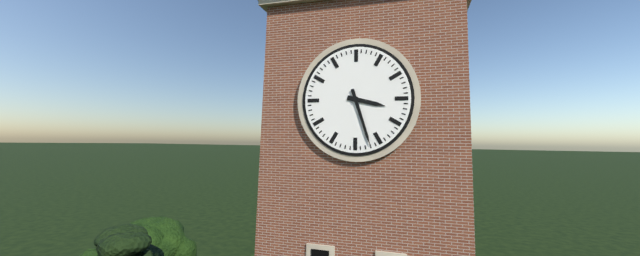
3.27
